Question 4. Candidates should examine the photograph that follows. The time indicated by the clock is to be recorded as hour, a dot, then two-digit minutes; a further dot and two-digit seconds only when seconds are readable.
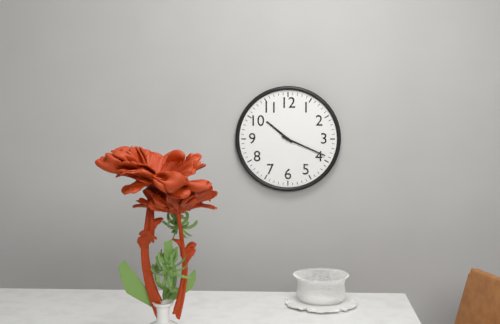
10.19
